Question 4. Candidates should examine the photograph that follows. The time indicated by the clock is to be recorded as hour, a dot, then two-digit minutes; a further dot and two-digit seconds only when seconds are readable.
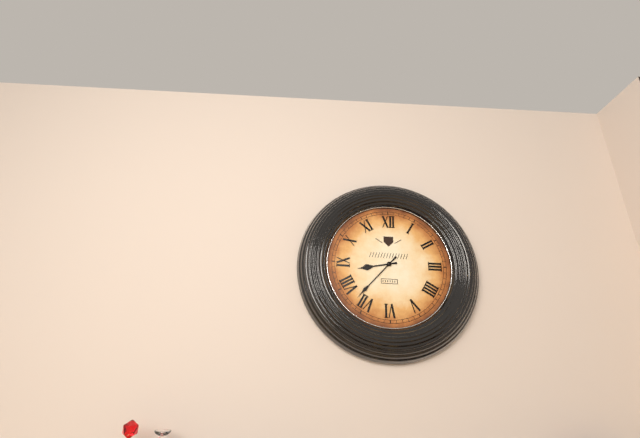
8.37
